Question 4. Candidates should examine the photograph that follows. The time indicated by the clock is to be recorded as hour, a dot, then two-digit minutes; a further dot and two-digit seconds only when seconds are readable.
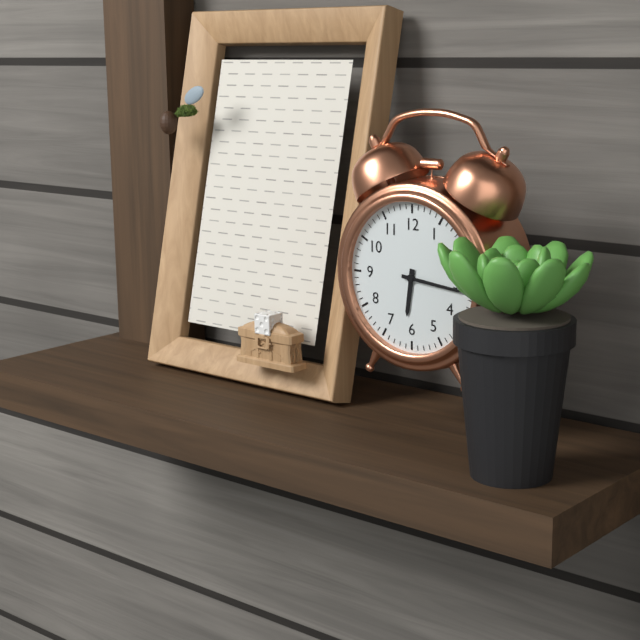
6.16
